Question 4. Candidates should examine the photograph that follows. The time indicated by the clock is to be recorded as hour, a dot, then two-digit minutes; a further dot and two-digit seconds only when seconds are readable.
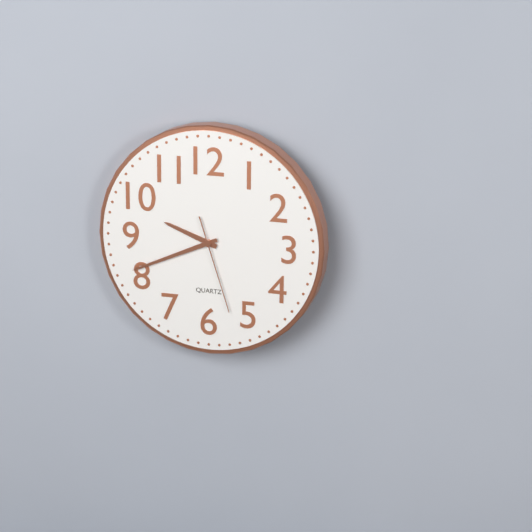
9.41.27
